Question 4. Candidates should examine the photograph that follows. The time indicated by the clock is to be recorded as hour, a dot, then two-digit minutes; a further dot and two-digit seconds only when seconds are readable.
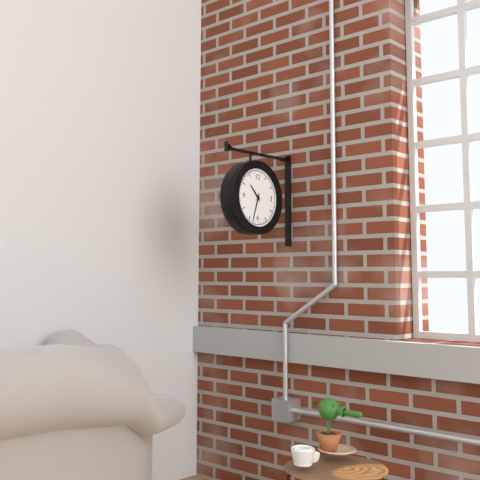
10.33
